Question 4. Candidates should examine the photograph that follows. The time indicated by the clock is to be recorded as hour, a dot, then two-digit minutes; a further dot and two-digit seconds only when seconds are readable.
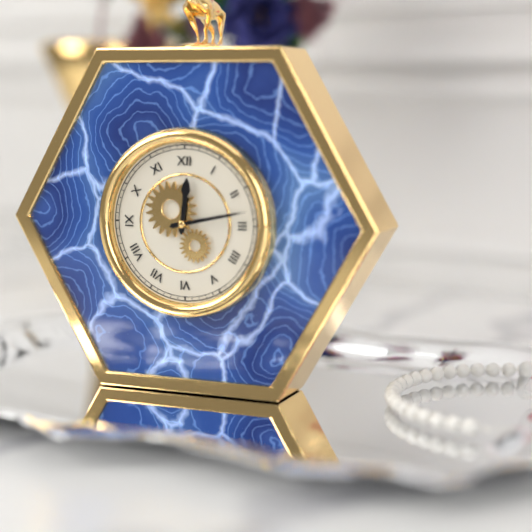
12.13
